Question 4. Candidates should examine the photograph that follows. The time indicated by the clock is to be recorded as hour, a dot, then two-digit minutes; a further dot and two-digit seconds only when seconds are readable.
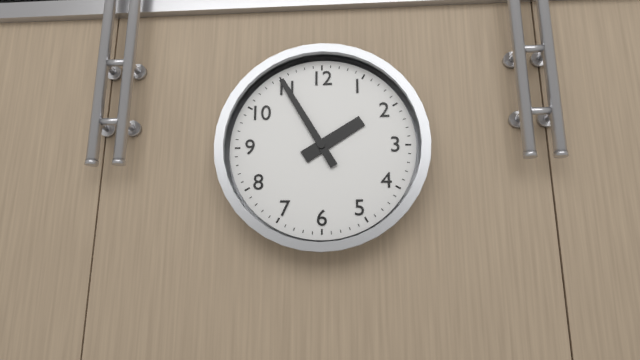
1.55
